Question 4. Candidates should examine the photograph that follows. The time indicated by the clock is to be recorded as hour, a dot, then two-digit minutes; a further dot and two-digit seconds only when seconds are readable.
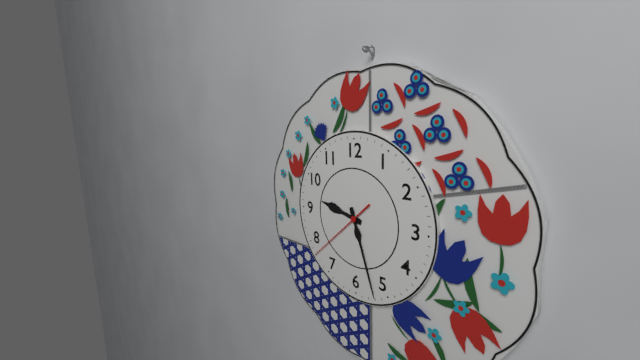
9.27.38
